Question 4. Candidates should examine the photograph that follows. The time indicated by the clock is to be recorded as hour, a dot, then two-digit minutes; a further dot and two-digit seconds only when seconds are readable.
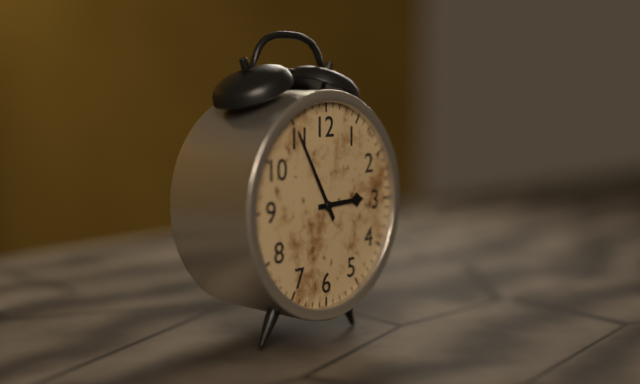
2.55
